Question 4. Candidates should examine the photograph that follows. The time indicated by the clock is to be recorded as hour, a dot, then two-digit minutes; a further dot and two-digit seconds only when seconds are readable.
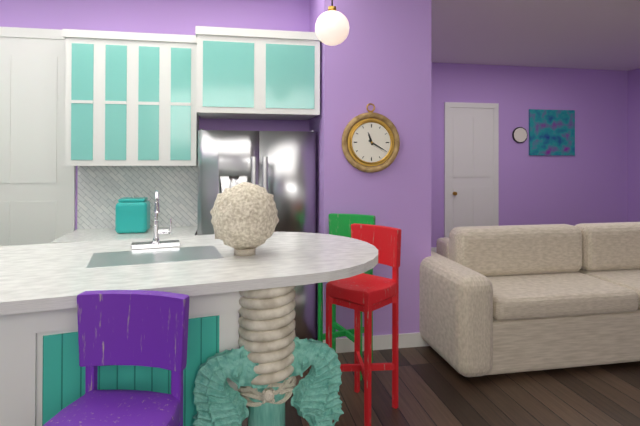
11.20
